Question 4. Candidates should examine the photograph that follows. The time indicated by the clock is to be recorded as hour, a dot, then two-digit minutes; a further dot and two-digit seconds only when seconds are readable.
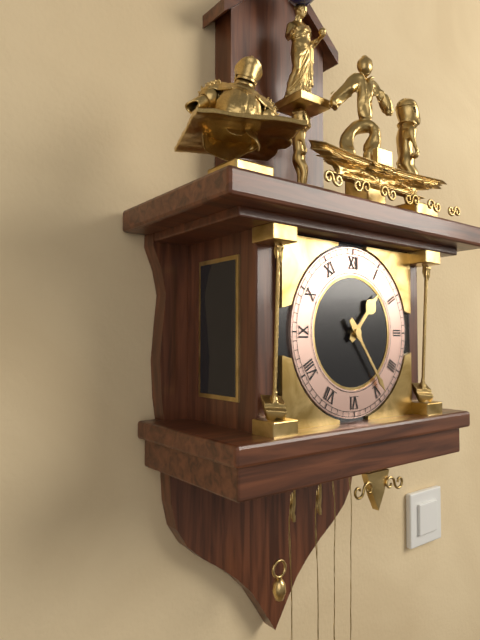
1.24
